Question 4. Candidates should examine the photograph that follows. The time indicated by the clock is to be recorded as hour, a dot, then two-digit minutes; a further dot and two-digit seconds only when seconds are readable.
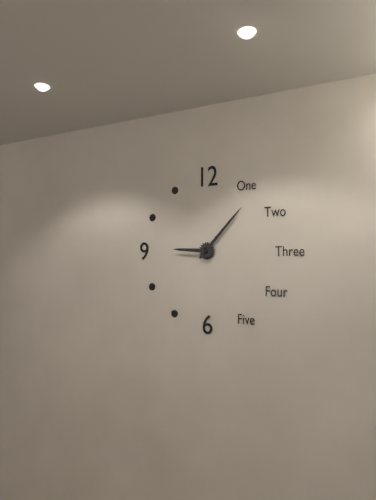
9.07
